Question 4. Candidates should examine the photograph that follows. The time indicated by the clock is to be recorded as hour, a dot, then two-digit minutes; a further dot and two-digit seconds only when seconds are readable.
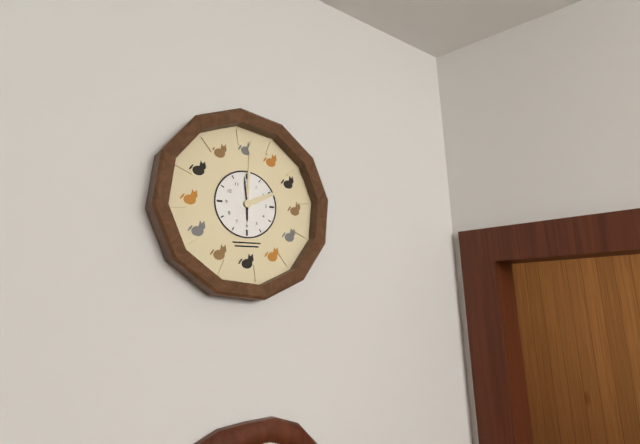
5.59
